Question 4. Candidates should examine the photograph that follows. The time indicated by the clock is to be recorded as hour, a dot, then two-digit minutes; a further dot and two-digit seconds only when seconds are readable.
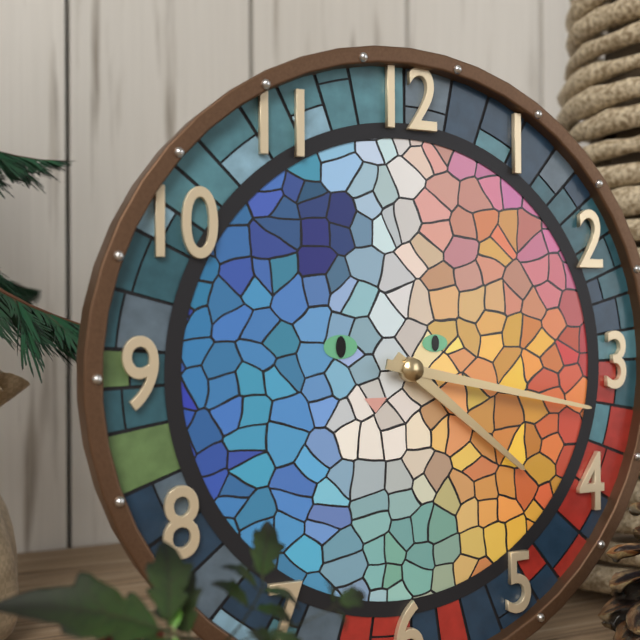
4.17
